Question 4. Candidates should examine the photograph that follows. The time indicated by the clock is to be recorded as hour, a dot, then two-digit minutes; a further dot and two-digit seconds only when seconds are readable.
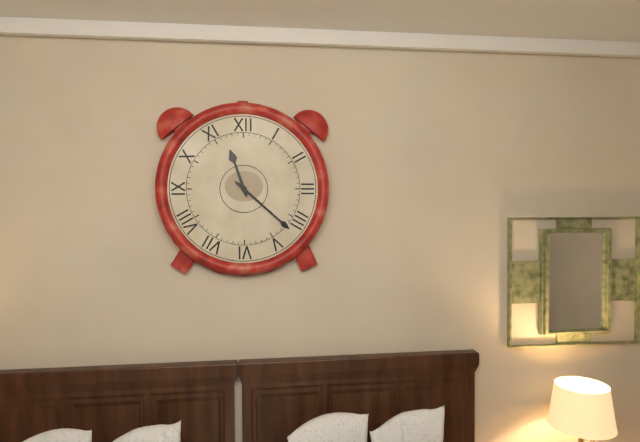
11.22
